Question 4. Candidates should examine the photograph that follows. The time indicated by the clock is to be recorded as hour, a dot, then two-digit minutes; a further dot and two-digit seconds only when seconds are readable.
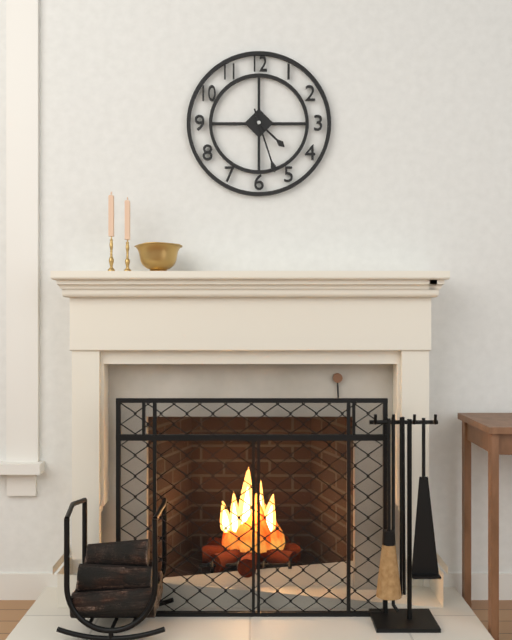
4.27
